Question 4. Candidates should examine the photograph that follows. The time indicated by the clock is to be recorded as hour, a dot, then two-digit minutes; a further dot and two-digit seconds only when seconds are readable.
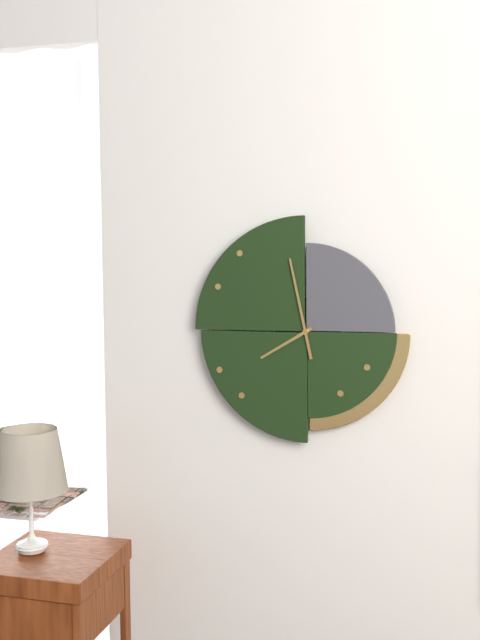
7.58
